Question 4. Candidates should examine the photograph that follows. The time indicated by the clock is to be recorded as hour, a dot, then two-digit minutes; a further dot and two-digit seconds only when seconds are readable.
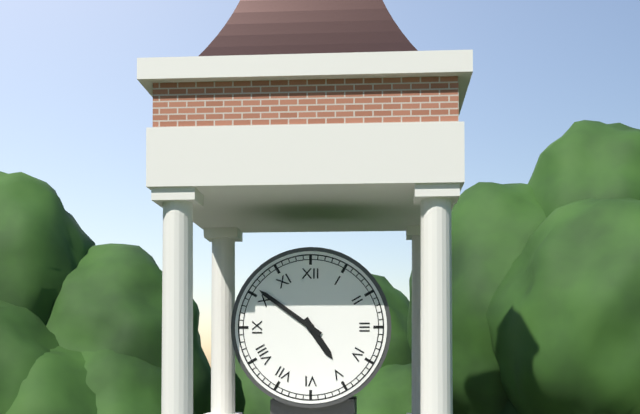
4.51
